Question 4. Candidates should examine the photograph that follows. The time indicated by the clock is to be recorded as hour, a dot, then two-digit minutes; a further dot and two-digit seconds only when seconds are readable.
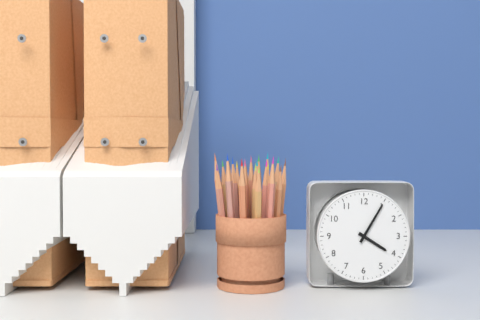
4.05
